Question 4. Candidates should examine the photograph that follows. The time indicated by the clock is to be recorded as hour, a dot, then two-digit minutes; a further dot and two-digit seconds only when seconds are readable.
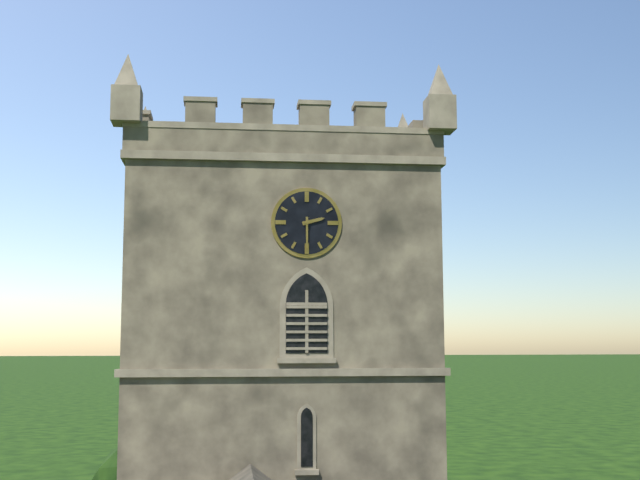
2.30
